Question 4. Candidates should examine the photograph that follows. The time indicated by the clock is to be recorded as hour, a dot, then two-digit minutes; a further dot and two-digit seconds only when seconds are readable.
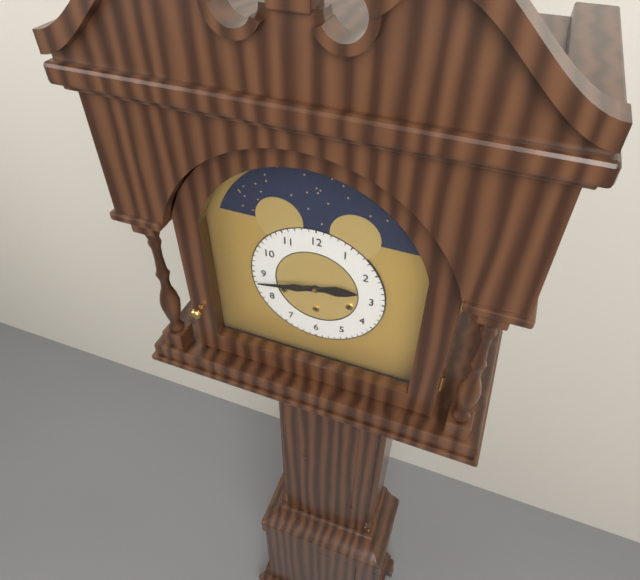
2.43
